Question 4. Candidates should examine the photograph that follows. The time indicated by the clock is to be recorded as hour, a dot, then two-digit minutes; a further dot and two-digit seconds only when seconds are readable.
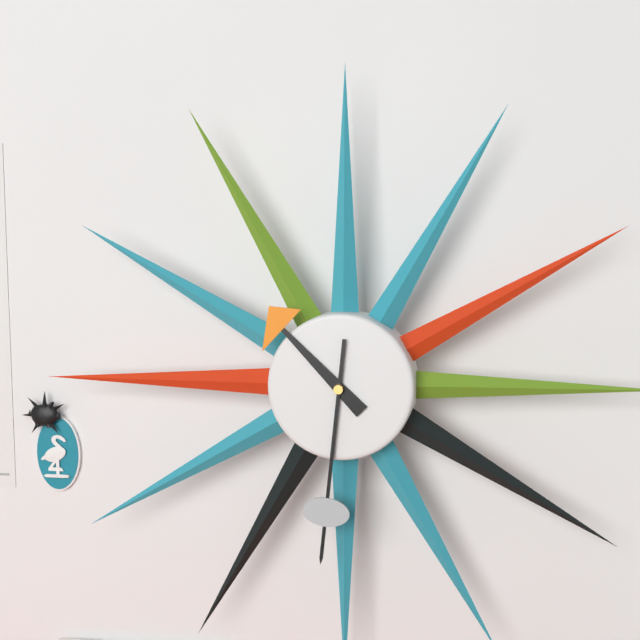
10.31
